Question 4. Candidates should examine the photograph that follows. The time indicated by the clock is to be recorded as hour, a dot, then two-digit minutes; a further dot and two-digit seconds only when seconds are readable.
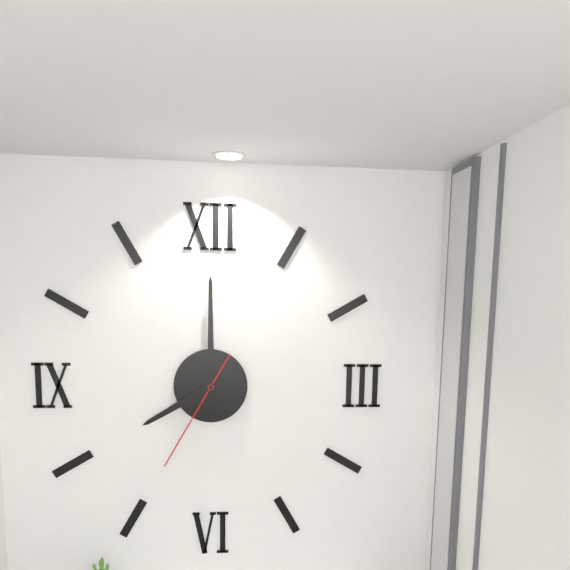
8.00.35
